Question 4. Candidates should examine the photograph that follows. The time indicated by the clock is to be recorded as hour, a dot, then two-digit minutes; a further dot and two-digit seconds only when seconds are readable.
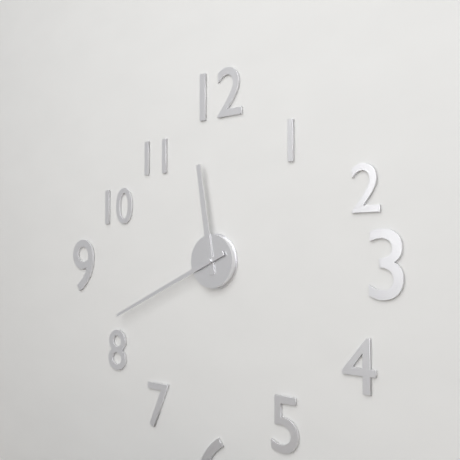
11.41
